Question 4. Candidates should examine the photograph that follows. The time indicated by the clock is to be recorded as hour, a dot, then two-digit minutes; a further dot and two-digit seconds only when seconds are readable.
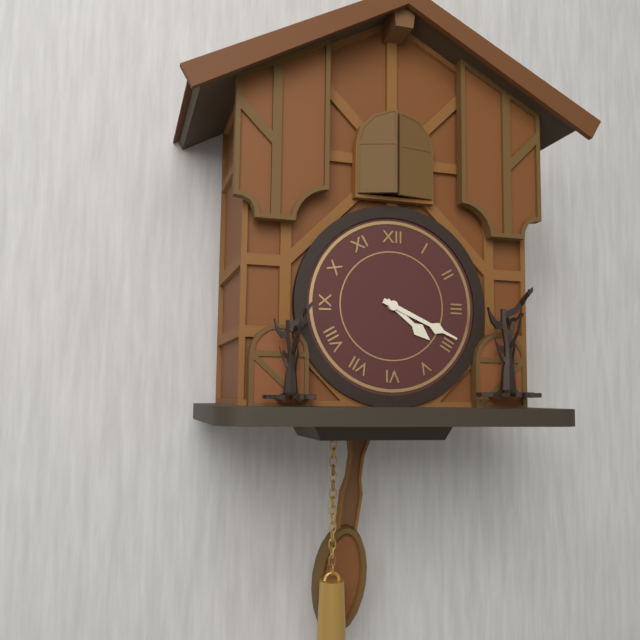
4.19
